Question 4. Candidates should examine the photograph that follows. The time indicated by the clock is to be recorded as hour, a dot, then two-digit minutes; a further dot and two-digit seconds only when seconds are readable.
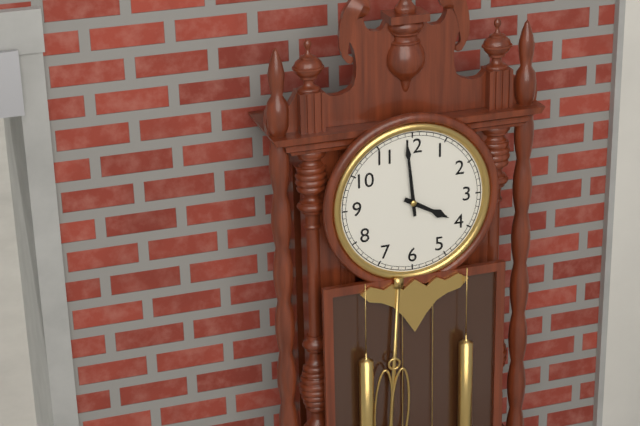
3.59
